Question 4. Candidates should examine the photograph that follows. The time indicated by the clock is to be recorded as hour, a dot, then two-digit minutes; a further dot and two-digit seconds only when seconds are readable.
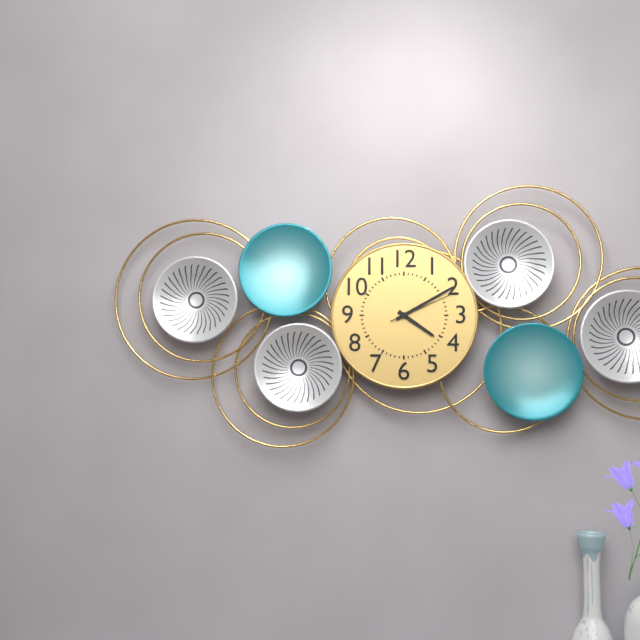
4.10.11
